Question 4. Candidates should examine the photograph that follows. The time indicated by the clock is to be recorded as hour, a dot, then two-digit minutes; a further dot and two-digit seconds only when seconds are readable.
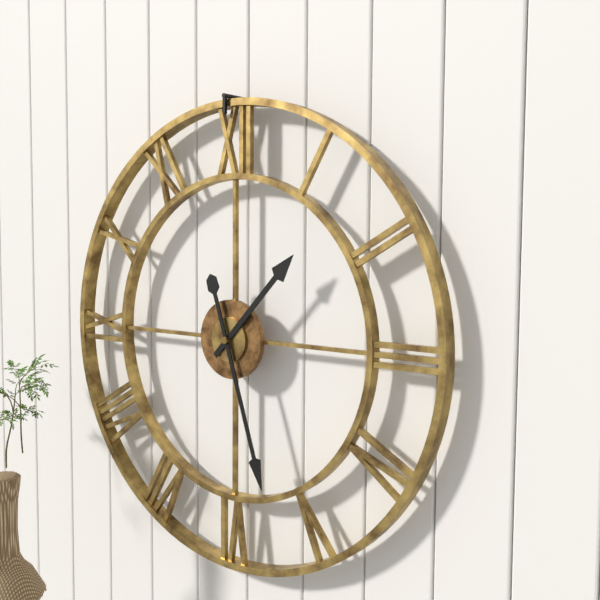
1.27
